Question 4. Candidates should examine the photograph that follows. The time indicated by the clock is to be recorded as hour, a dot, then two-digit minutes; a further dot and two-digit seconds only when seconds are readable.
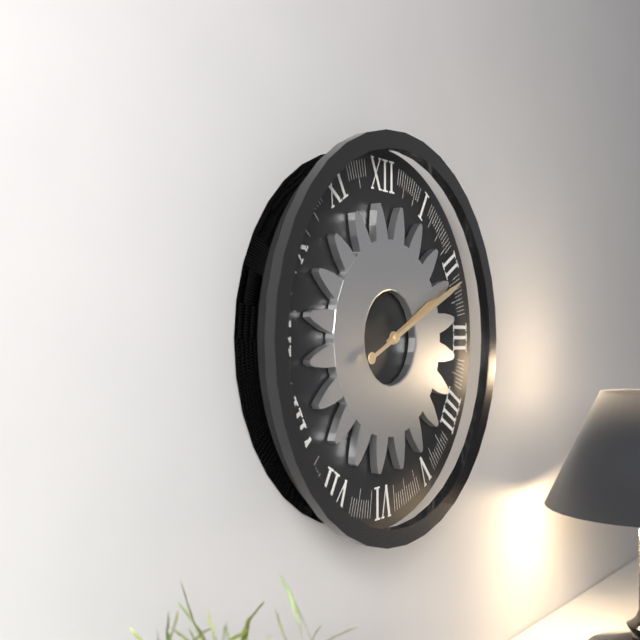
2.11
